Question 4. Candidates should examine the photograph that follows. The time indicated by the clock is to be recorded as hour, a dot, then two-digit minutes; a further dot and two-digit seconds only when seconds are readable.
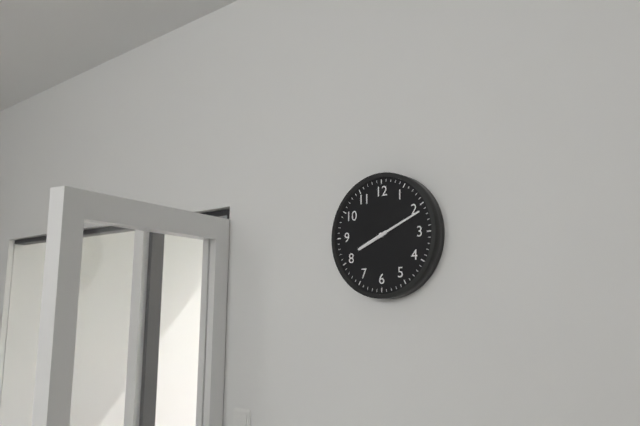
8.11
